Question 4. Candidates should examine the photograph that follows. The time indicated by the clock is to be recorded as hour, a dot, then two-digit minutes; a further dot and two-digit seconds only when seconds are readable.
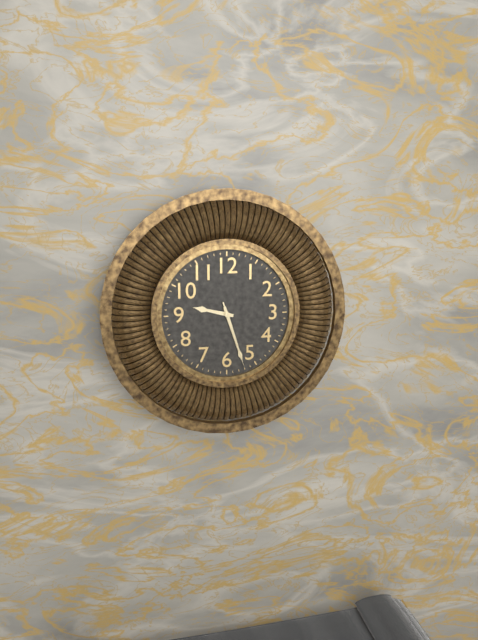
9.27.27
